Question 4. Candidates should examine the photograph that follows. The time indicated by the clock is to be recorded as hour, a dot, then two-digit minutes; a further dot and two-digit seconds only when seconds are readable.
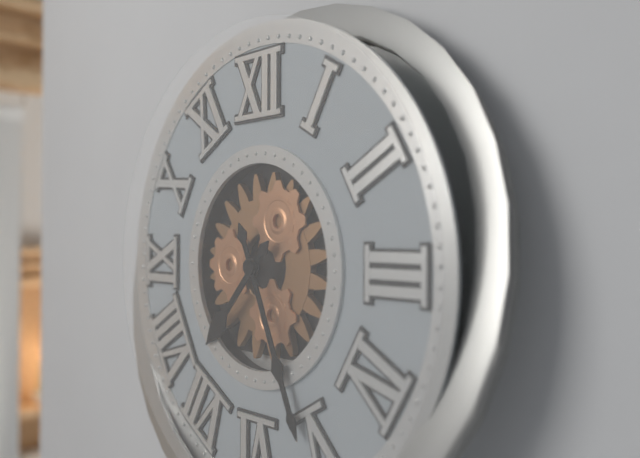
7.26
